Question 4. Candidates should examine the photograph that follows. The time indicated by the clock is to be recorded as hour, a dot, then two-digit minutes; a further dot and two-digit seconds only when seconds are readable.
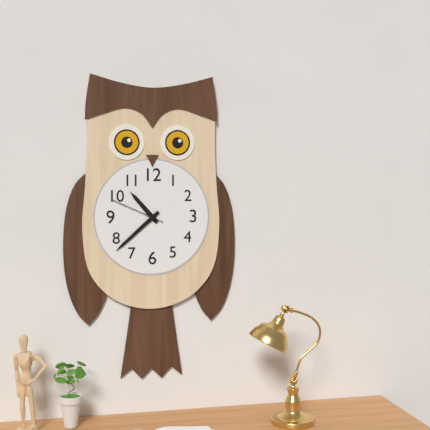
10.38.49
